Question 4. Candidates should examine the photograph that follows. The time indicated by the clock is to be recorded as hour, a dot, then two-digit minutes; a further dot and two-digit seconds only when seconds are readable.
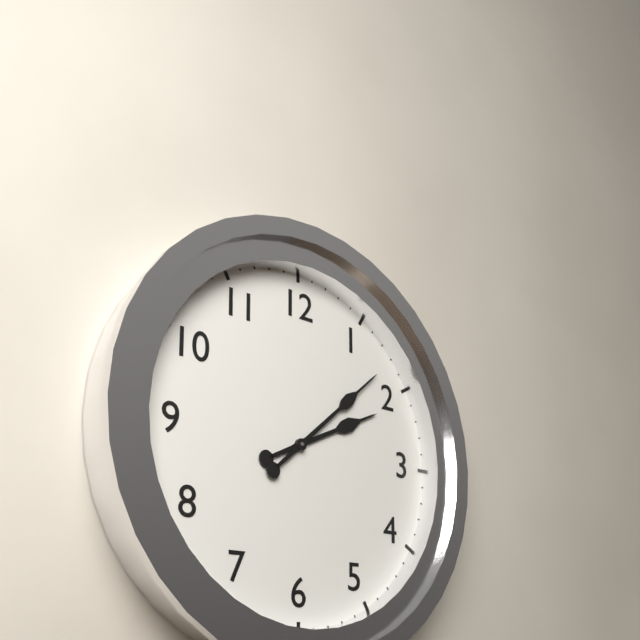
2.08
